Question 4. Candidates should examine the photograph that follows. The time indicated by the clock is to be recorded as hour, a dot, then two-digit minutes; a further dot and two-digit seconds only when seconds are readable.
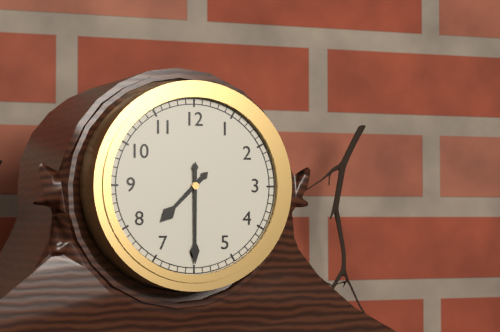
7.30
